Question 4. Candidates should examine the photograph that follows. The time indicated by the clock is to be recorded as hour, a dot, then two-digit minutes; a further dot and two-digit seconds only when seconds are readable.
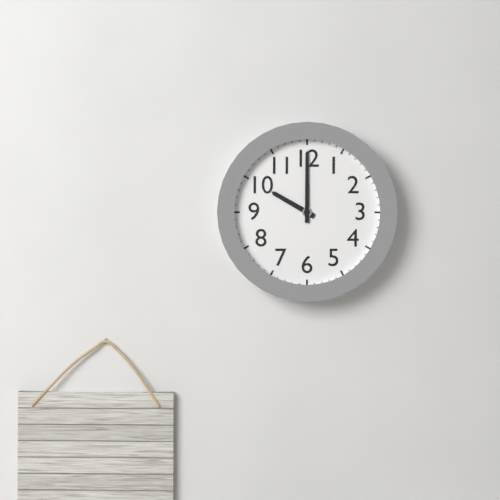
10.00
